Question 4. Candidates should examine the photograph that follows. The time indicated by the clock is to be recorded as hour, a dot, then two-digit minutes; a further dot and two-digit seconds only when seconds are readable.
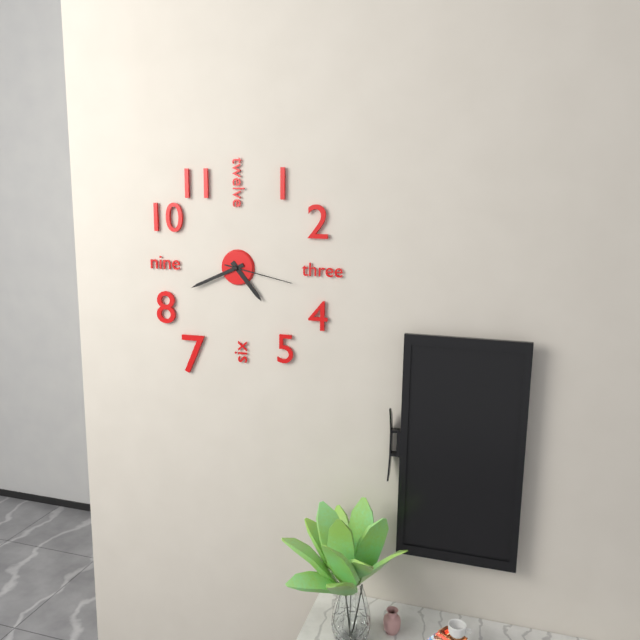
4.41.17
